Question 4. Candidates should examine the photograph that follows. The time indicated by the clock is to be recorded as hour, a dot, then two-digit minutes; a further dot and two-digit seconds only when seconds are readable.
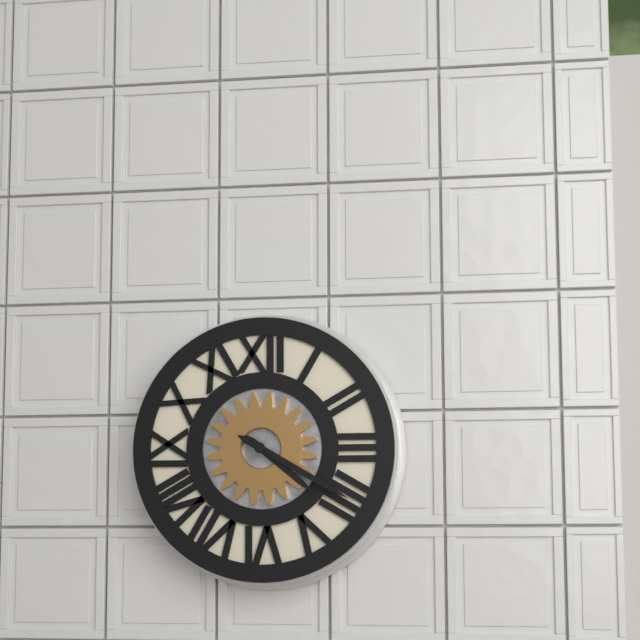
4.20
